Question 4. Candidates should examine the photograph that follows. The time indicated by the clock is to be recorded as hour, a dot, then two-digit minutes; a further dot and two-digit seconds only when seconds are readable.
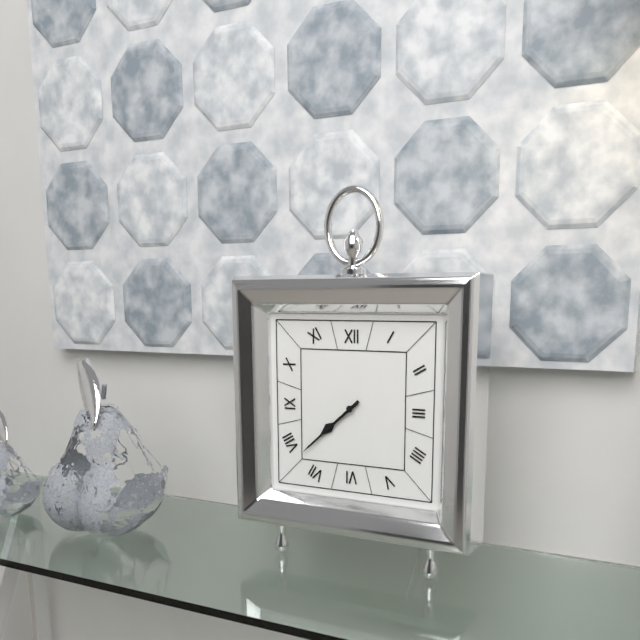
7.38
